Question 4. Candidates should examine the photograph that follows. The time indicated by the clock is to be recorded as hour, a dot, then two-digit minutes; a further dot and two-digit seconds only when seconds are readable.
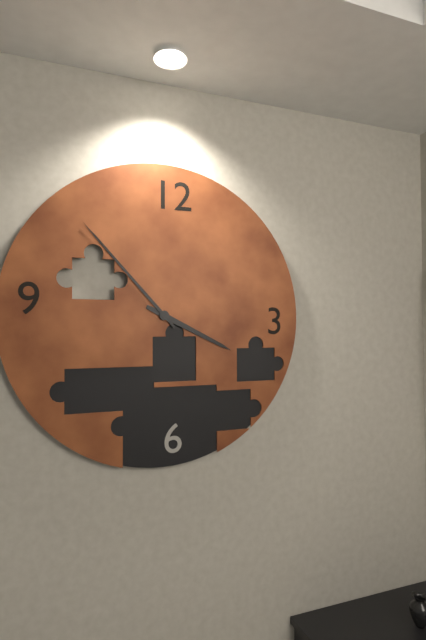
3.53
